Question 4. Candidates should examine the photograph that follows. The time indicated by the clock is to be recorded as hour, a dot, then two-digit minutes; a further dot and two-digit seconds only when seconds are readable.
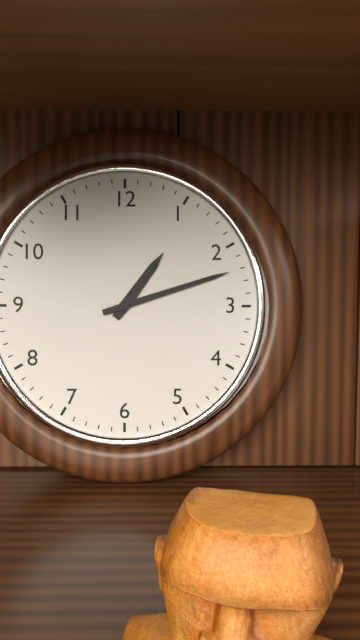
1.12
